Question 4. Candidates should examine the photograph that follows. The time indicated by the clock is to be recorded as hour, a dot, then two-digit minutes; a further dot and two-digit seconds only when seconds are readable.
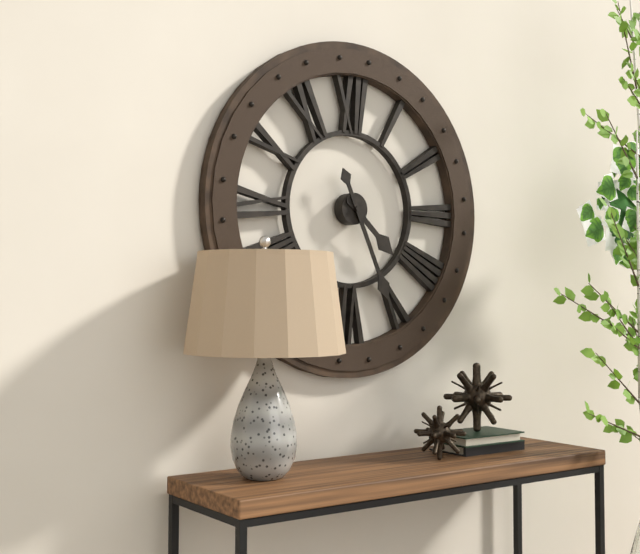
4.26
